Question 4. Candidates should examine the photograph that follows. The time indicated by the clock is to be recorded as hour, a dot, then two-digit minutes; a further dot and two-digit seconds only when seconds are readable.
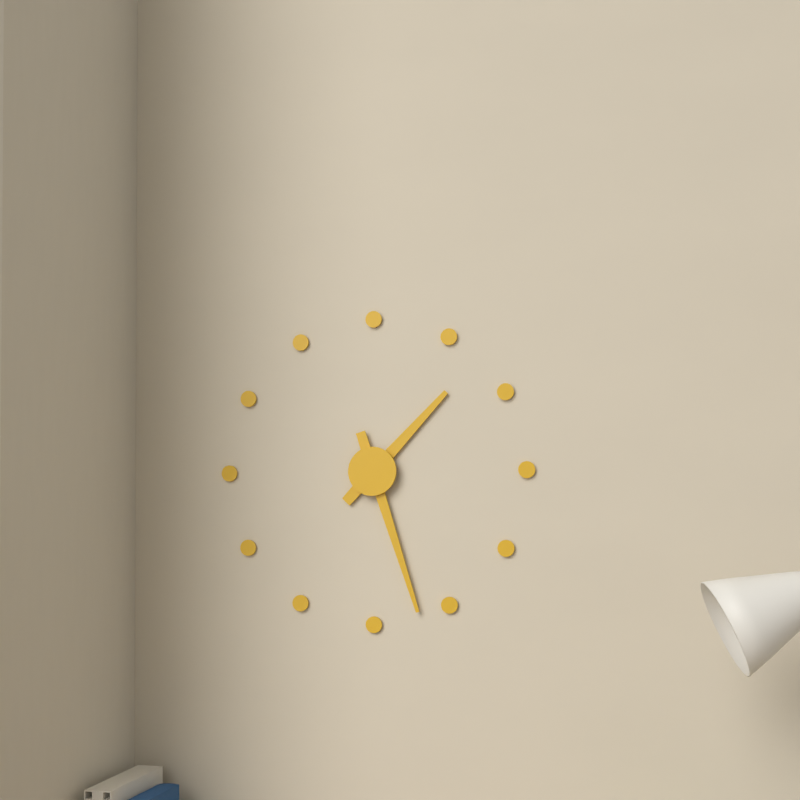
1.27
